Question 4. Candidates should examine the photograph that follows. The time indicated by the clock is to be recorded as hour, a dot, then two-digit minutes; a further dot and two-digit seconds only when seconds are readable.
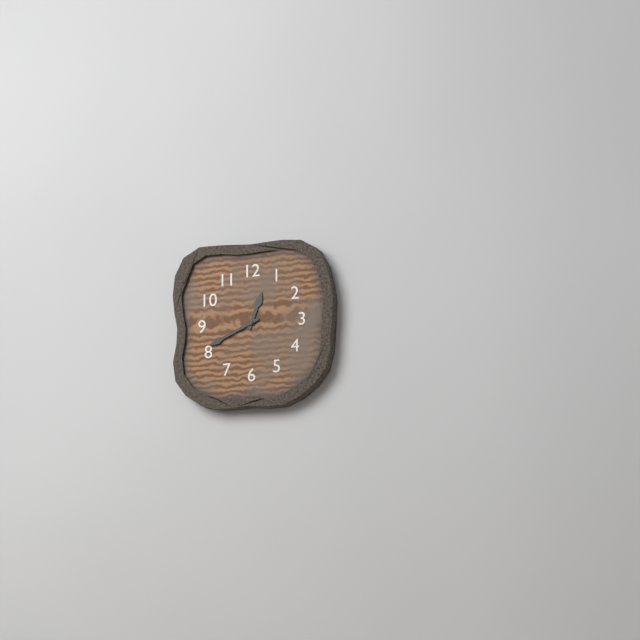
12.41
